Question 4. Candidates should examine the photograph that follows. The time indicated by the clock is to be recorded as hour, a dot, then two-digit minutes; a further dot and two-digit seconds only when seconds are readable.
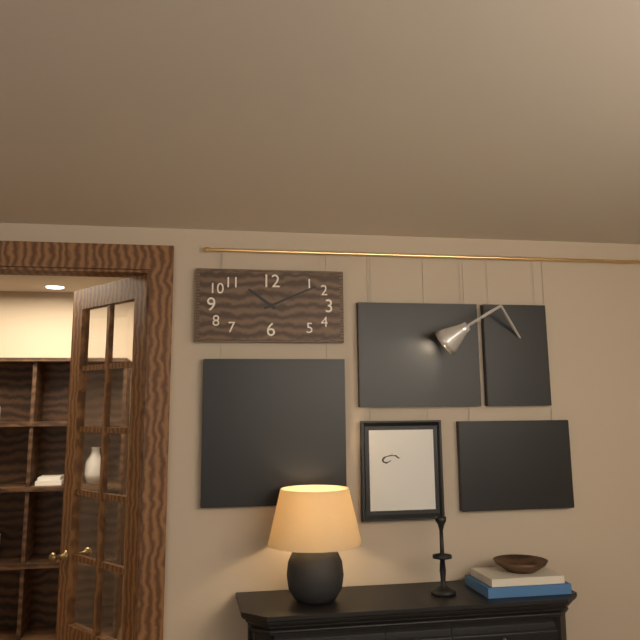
10.11
